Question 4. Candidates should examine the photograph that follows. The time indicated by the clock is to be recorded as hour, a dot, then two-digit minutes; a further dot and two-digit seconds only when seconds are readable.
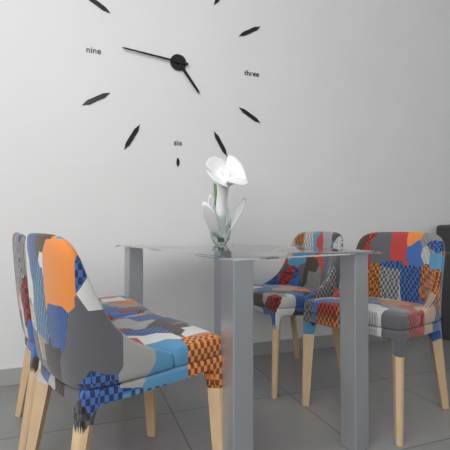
4.46
